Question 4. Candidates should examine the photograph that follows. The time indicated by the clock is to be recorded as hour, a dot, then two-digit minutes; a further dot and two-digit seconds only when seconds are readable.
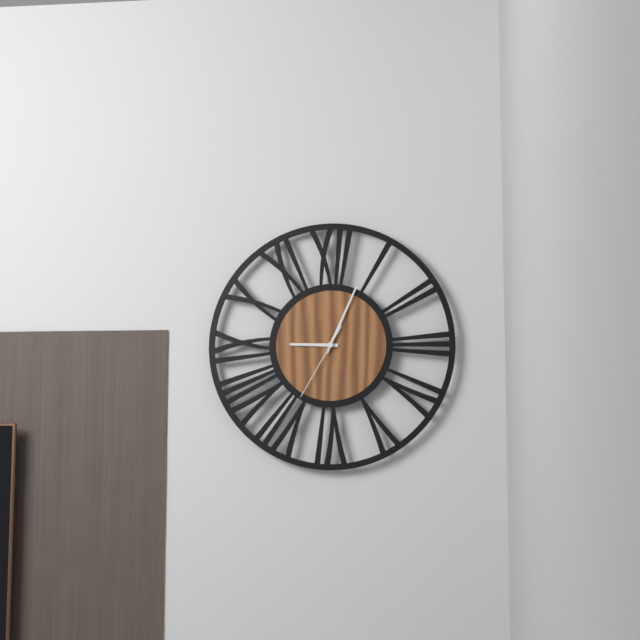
9.04.35
